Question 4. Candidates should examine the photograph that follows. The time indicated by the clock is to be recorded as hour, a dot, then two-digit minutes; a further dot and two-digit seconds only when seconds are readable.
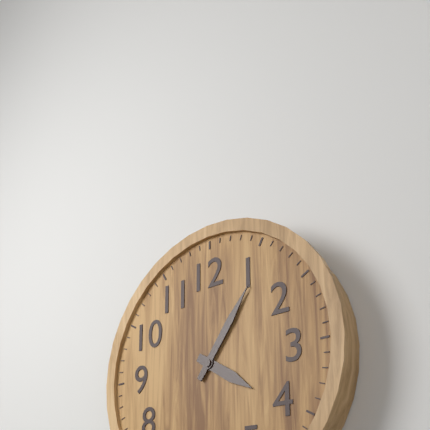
4.06
